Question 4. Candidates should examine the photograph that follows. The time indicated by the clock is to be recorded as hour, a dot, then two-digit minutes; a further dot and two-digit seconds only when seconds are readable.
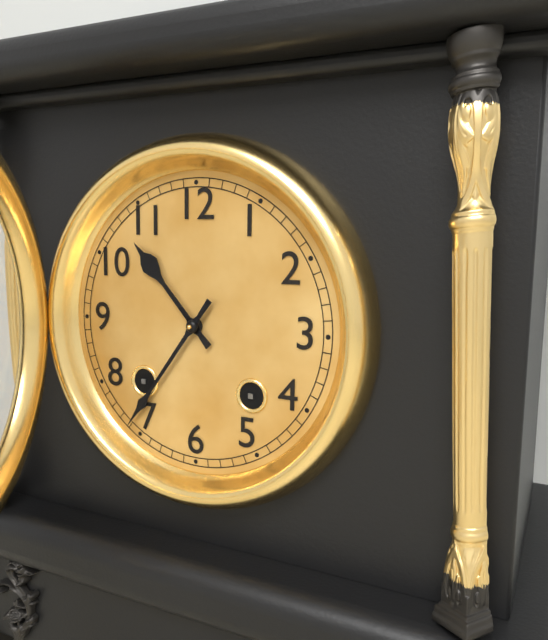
10.36
